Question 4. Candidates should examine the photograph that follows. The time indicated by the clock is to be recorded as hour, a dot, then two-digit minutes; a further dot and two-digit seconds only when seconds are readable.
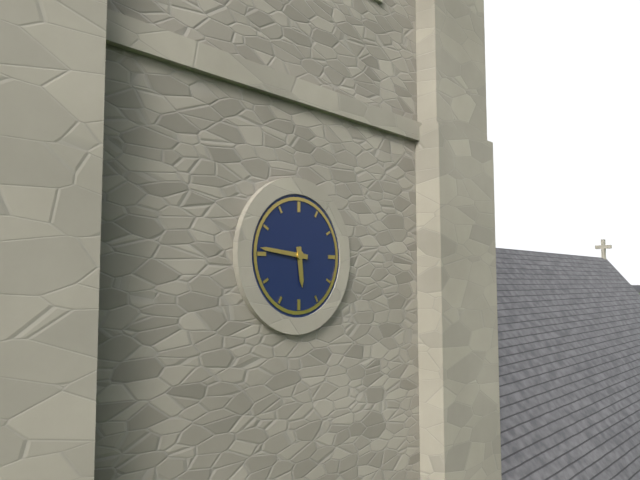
5.46
